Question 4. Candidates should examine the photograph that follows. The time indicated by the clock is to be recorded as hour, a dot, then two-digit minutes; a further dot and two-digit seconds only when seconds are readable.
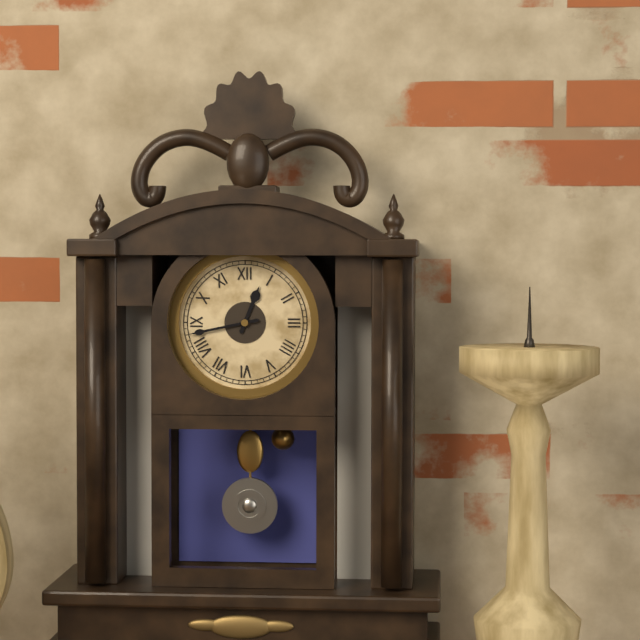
12.43
